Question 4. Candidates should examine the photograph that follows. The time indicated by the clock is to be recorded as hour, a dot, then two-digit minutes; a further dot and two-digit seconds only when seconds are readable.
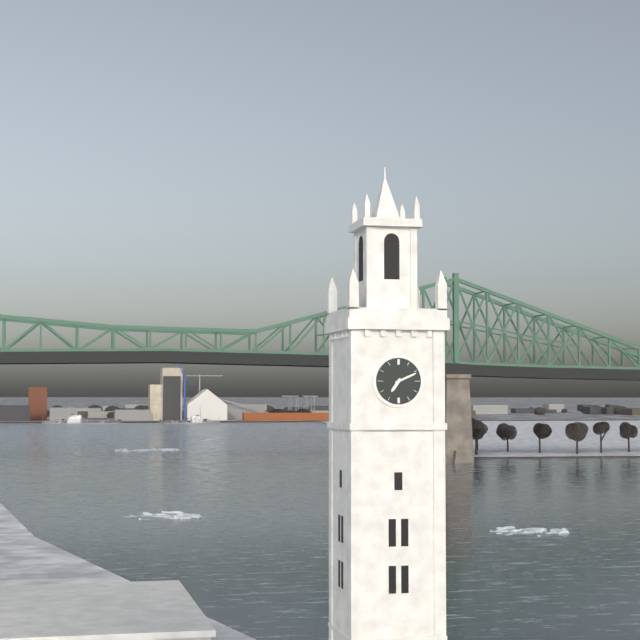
7.11
